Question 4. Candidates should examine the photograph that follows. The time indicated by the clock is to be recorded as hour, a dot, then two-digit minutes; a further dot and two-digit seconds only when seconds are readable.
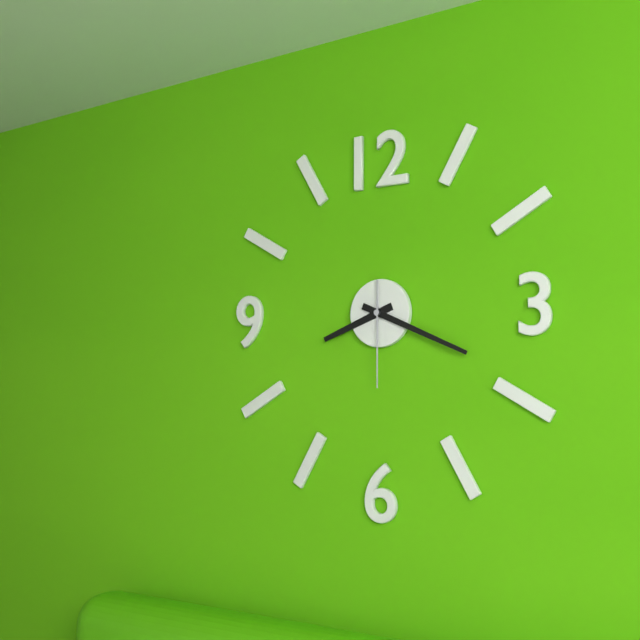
8.19.30
